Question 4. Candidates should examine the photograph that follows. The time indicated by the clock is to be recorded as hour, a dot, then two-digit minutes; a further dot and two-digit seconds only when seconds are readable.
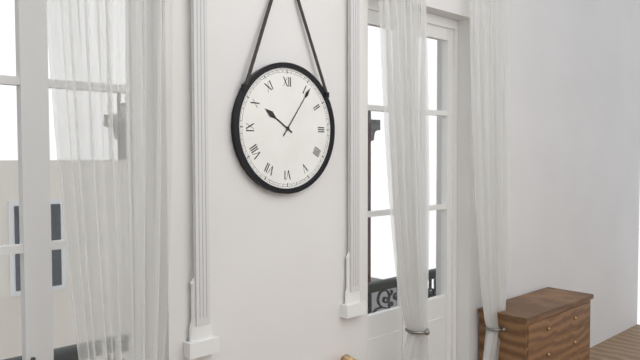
10.06
